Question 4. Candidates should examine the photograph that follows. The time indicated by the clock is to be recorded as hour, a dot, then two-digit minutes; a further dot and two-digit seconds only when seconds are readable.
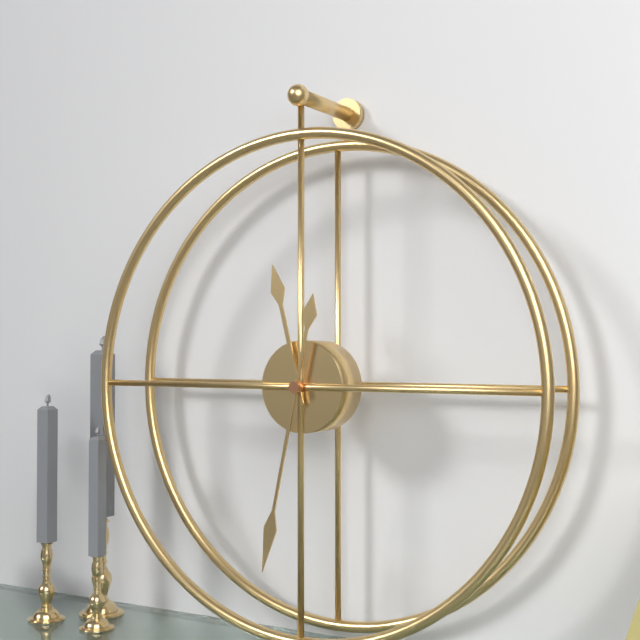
11.32
